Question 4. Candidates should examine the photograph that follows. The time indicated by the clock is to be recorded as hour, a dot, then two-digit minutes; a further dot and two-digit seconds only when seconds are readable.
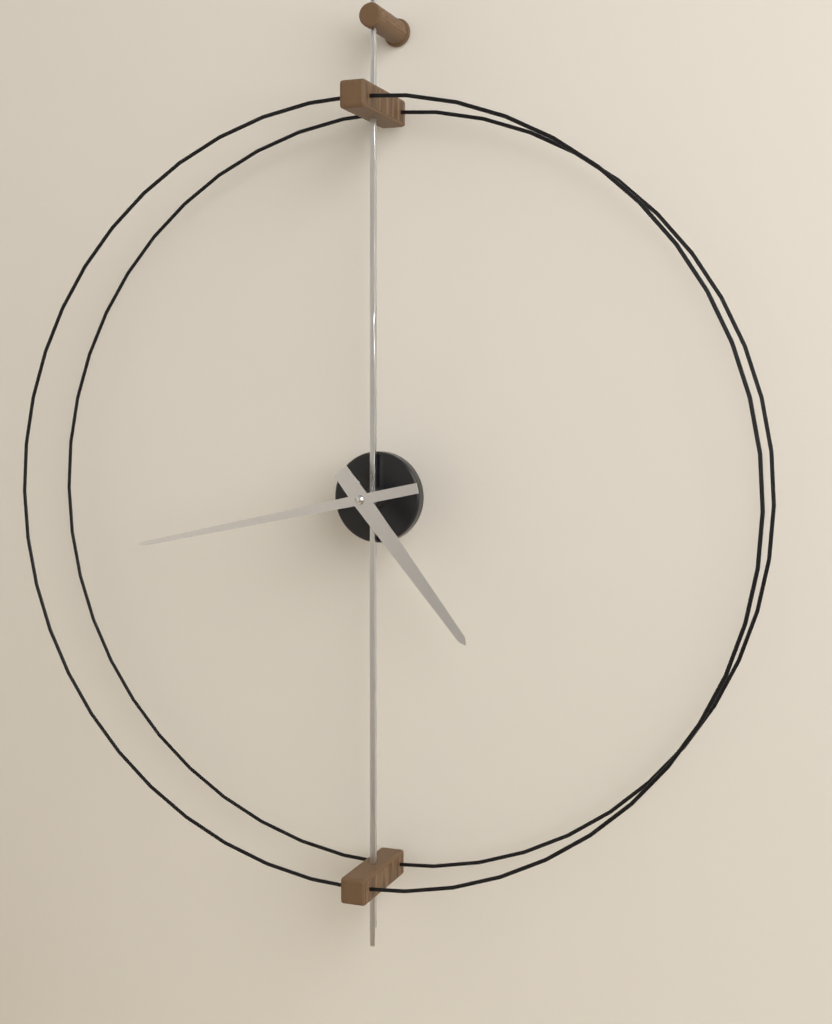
4.43
